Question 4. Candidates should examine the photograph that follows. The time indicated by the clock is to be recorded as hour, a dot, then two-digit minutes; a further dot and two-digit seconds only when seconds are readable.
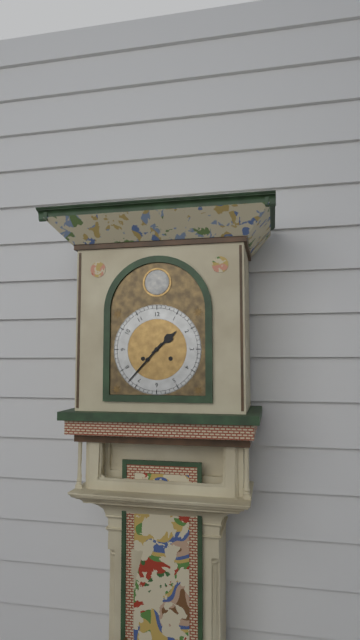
1.37
